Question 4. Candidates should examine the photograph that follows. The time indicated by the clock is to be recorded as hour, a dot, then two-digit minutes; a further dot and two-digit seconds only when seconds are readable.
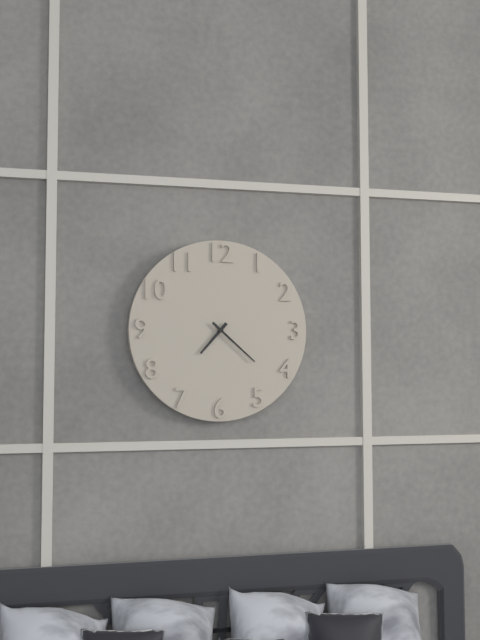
7.22
